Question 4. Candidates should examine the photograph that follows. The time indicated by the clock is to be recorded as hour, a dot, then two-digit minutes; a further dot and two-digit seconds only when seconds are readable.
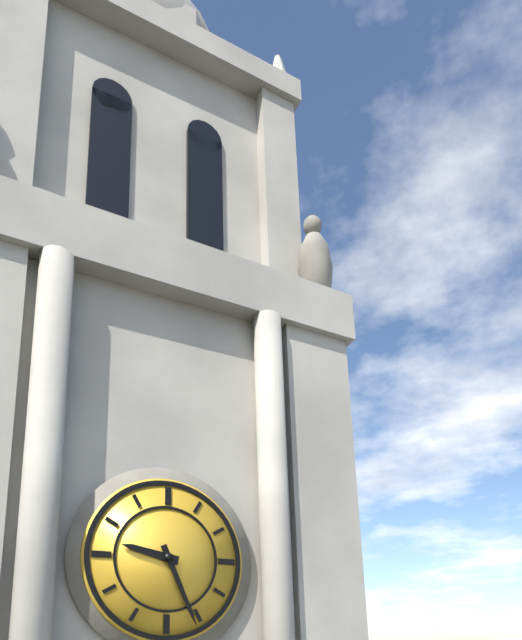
9.26
